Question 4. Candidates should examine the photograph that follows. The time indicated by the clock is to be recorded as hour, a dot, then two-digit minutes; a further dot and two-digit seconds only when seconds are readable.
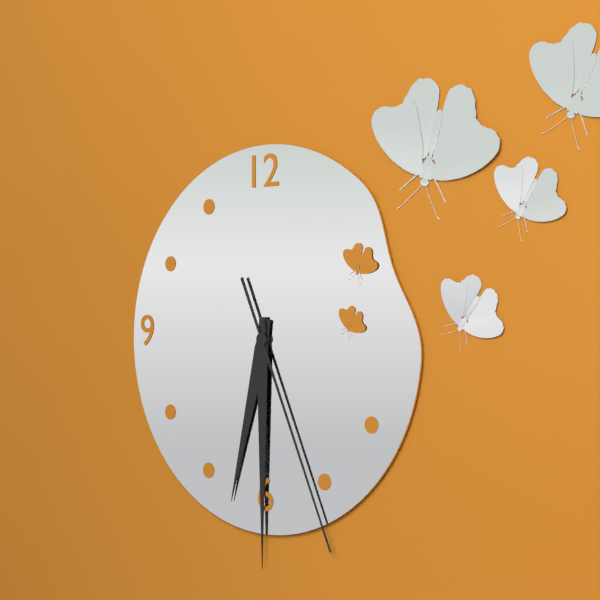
6.30.26
